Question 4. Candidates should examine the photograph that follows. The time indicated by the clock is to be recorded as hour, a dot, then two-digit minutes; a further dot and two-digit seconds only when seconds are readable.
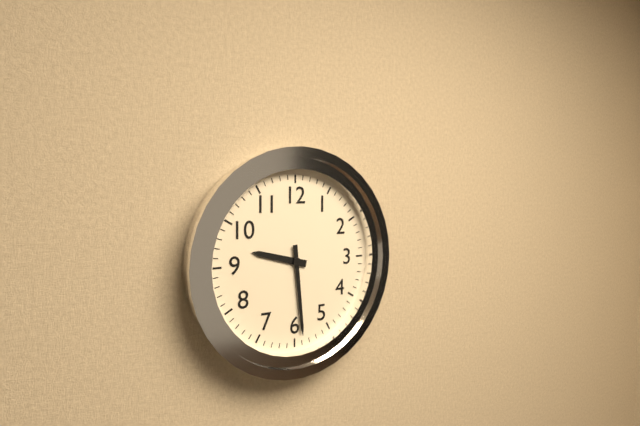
9.29
